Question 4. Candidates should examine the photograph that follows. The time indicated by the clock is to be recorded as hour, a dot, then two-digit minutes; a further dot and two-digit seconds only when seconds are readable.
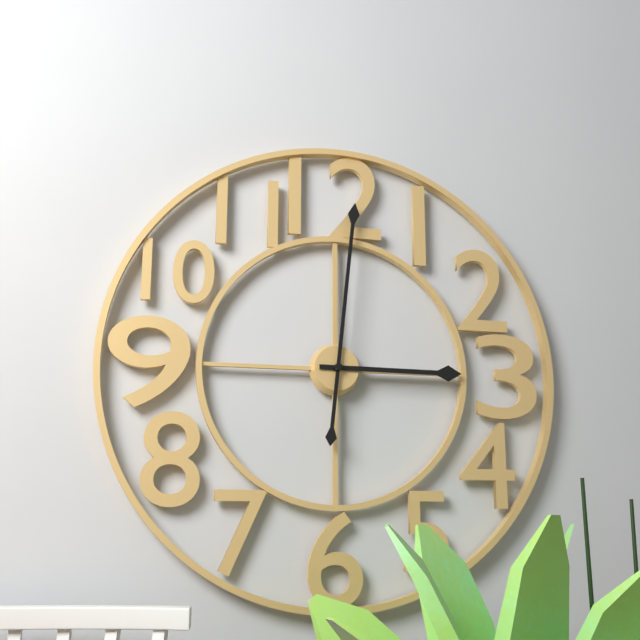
3.01
